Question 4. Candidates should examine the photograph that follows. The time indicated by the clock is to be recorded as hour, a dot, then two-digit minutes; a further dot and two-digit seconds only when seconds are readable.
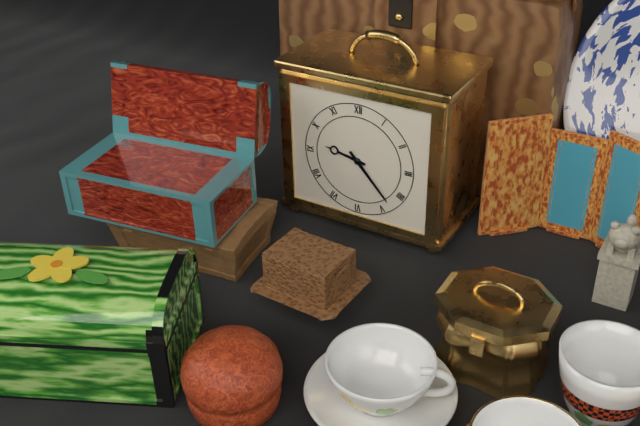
9.23
